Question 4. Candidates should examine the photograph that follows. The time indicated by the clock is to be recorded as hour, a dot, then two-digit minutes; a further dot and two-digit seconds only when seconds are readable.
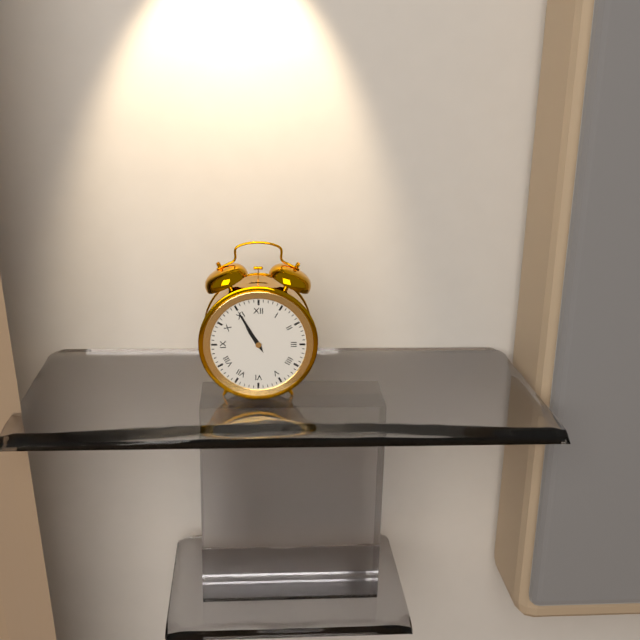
10.55
